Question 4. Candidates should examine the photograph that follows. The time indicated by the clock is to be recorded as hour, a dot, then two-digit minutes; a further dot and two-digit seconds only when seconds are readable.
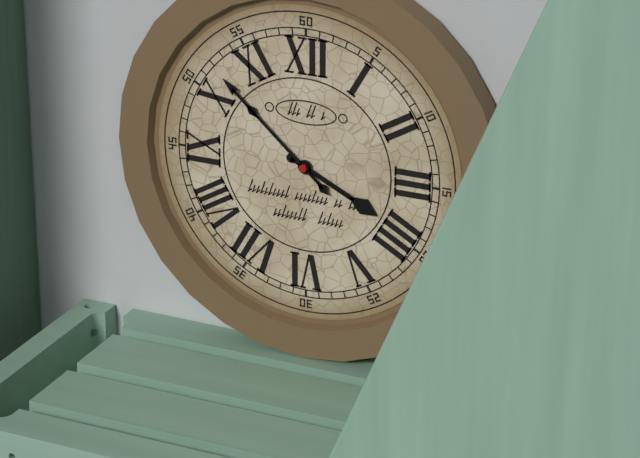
3.52
